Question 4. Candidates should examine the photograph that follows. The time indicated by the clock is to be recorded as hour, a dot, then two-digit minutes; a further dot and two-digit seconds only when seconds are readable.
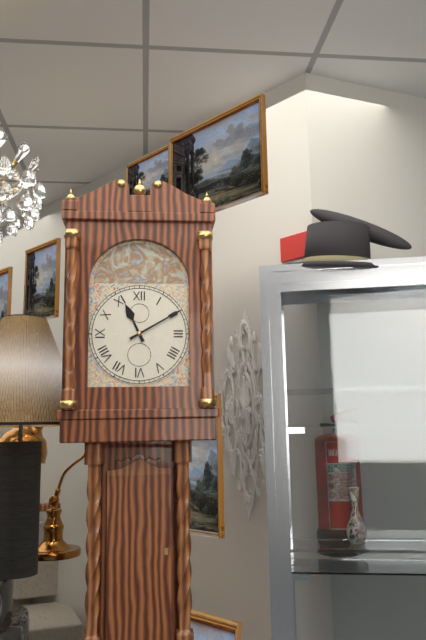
11.10
